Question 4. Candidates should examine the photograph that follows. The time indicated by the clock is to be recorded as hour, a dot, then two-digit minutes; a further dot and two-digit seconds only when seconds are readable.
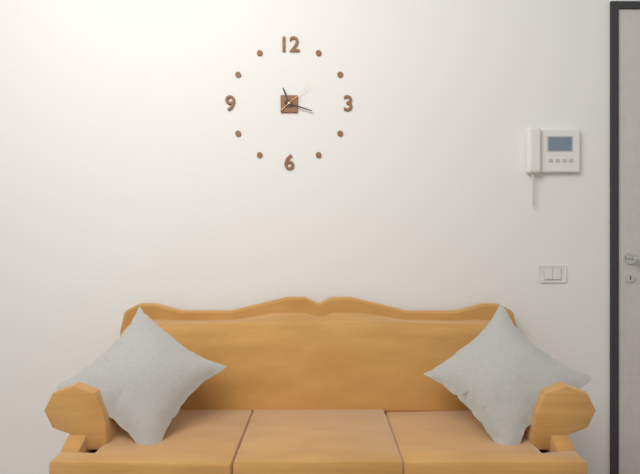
11.18
